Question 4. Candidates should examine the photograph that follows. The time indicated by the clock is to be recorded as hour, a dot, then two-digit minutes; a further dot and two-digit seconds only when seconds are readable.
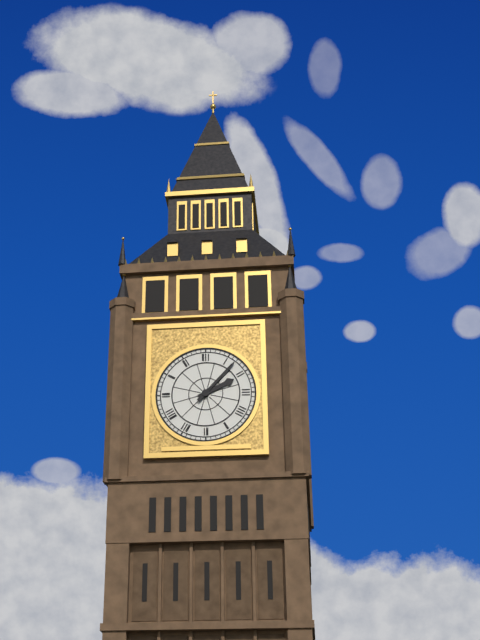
2.07
